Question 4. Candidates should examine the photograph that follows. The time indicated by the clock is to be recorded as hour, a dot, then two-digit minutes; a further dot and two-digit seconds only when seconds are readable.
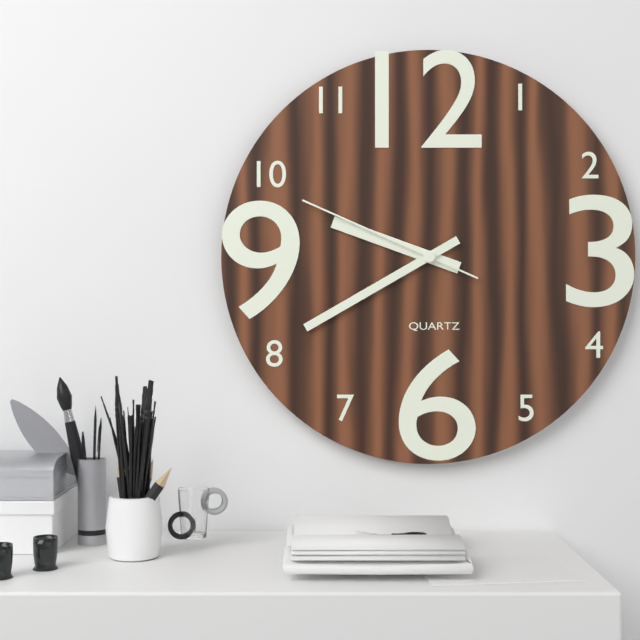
9.40.49
